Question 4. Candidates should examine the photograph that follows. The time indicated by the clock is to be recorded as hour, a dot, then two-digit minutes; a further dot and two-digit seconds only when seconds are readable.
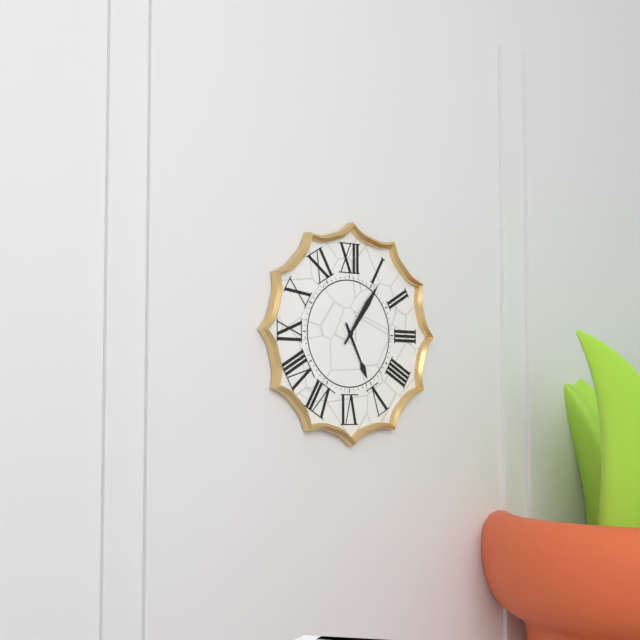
5.06
